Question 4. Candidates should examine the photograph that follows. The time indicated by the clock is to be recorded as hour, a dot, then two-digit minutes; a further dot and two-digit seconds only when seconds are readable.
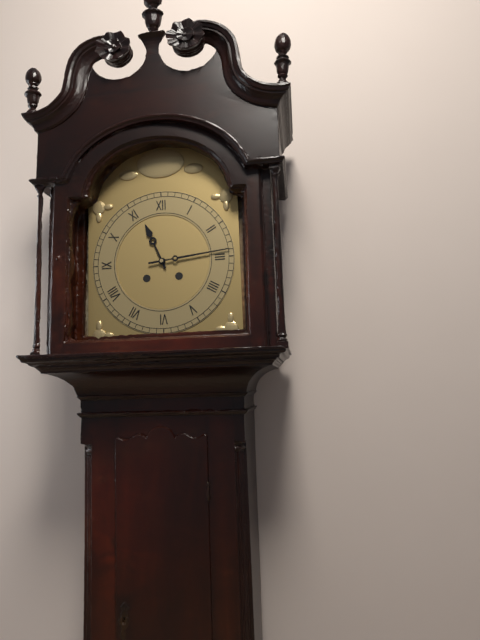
11.14
